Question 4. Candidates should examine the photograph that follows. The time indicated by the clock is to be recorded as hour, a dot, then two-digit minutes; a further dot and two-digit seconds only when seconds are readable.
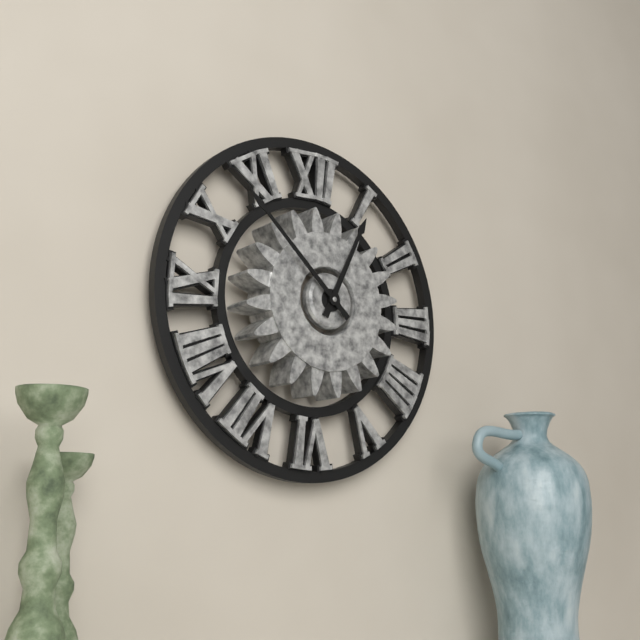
12.52
